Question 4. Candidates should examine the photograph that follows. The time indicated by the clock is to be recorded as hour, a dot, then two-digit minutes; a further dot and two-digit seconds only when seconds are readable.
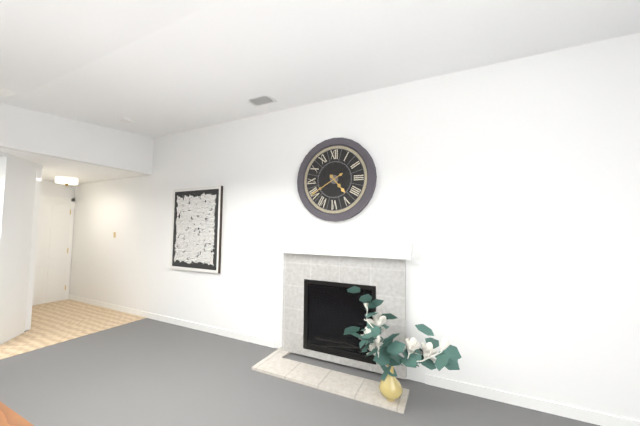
4.40
